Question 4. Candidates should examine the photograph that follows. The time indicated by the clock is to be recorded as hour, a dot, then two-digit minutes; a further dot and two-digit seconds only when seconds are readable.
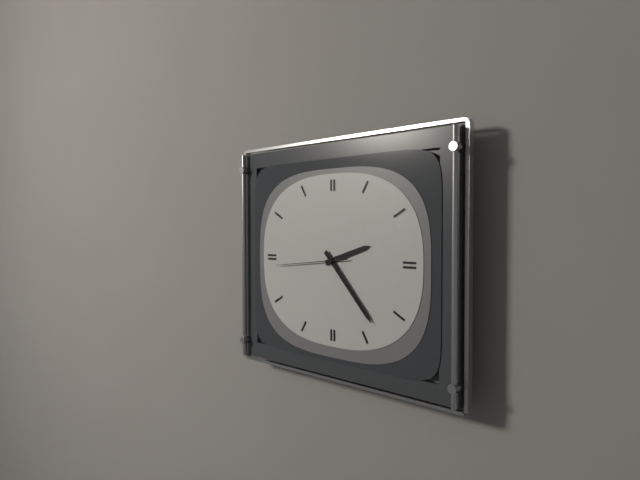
2.23.44
